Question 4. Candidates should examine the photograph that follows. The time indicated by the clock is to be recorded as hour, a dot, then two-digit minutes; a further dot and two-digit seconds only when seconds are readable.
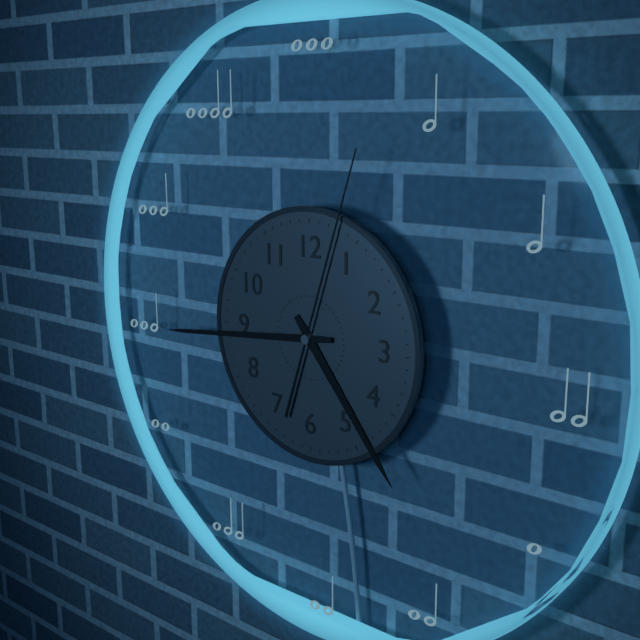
4.44.03
